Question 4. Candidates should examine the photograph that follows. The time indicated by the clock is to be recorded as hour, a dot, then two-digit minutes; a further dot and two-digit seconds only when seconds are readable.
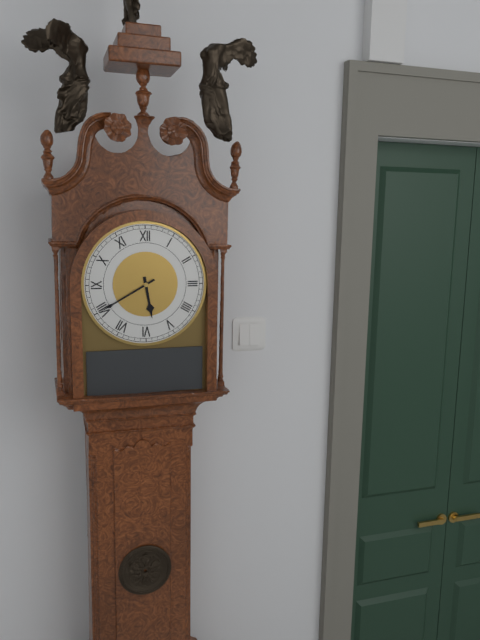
5.40
